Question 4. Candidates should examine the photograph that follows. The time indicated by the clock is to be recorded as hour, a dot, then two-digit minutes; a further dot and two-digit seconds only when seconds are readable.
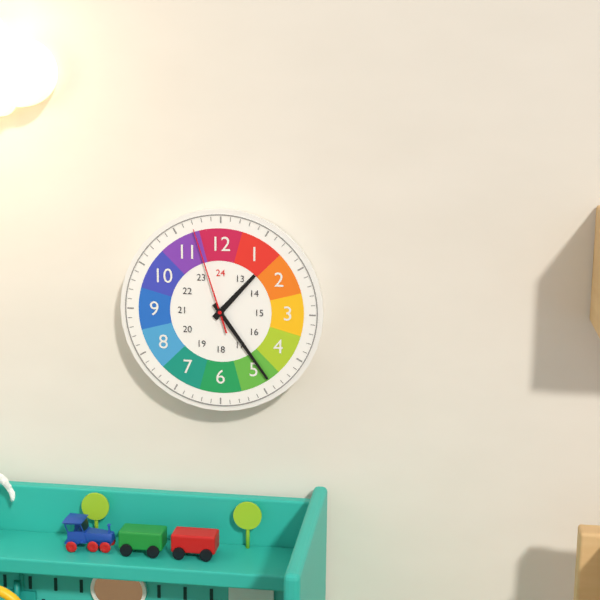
1.24.57
